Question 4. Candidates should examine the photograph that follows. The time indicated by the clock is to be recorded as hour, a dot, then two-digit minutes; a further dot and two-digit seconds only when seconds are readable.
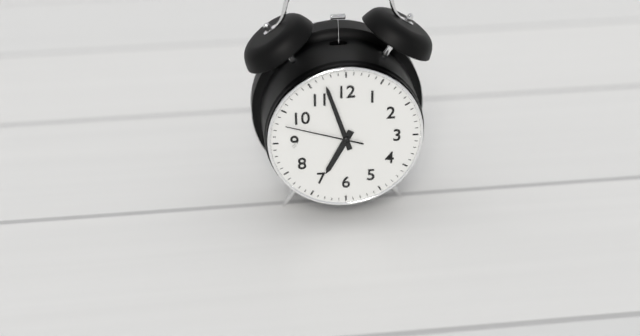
6.57.48
